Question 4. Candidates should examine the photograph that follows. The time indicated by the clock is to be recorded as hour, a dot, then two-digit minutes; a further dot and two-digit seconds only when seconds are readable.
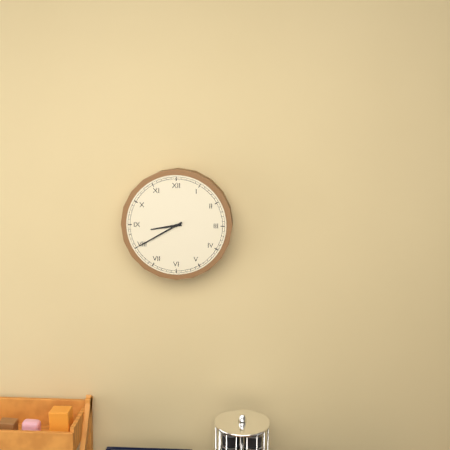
8.40
